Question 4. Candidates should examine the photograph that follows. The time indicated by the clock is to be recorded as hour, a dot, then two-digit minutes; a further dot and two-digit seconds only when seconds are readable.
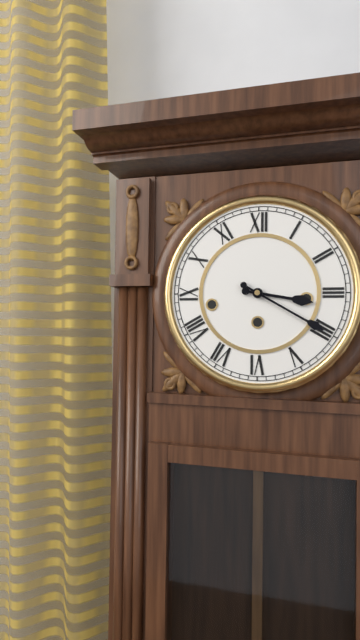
3.20
